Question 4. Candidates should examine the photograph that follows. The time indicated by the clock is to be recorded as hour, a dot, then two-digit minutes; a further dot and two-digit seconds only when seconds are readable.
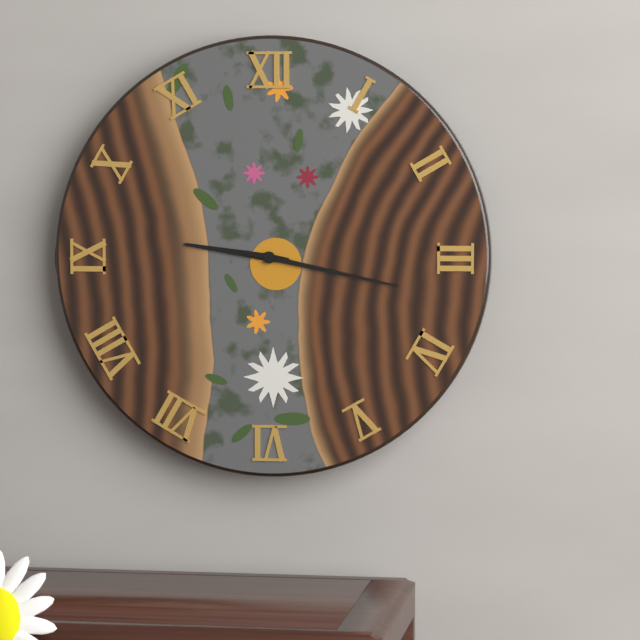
9.17
